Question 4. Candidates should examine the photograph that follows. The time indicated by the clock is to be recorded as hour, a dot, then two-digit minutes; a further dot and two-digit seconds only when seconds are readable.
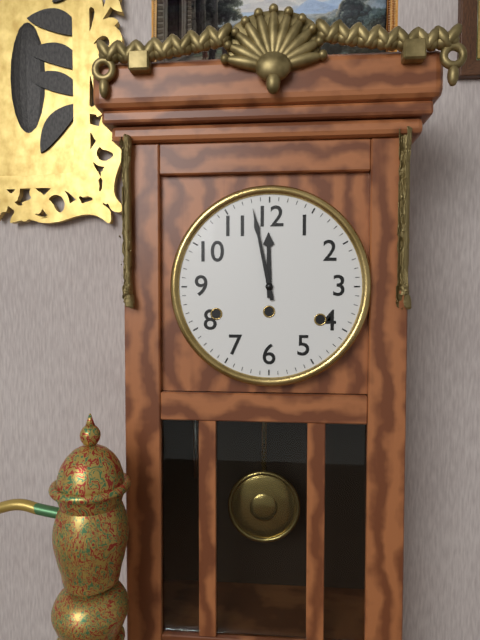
11.58
